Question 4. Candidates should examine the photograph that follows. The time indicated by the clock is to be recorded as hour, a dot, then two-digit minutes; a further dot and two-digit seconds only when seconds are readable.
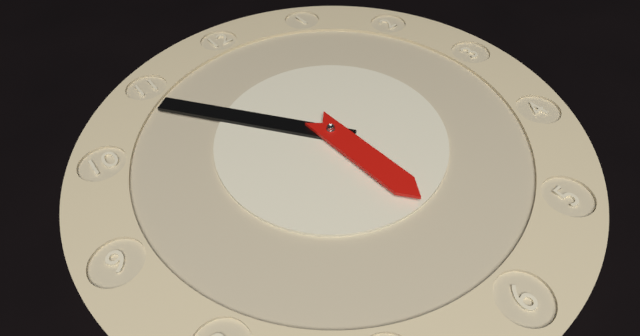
5.54
